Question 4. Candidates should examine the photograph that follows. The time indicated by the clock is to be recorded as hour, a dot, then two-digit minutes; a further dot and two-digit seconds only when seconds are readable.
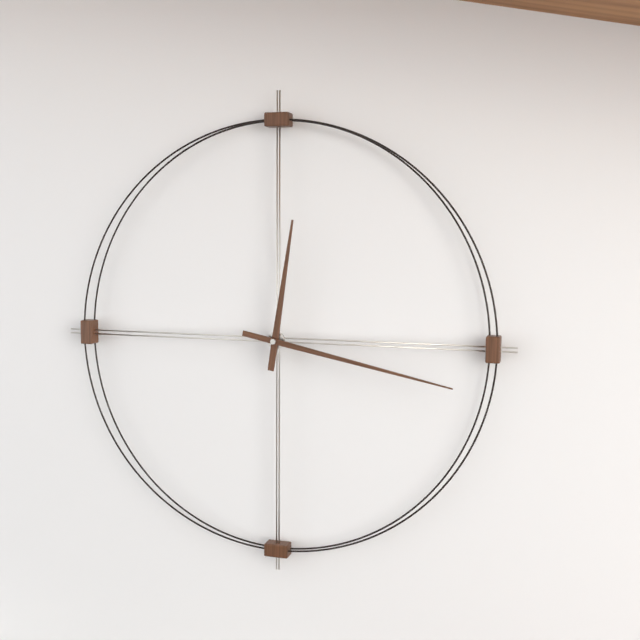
12.17
